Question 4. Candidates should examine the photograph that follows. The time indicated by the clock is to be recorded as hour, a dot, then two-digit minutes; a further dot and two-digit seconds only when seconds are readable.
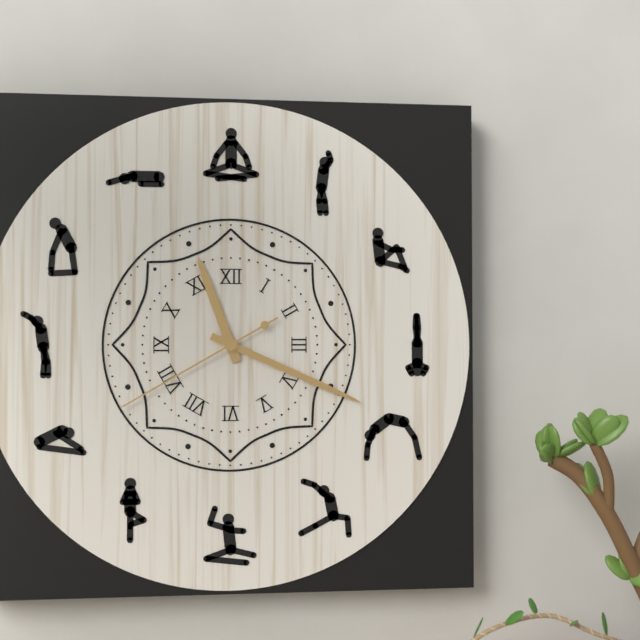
11.19.40
